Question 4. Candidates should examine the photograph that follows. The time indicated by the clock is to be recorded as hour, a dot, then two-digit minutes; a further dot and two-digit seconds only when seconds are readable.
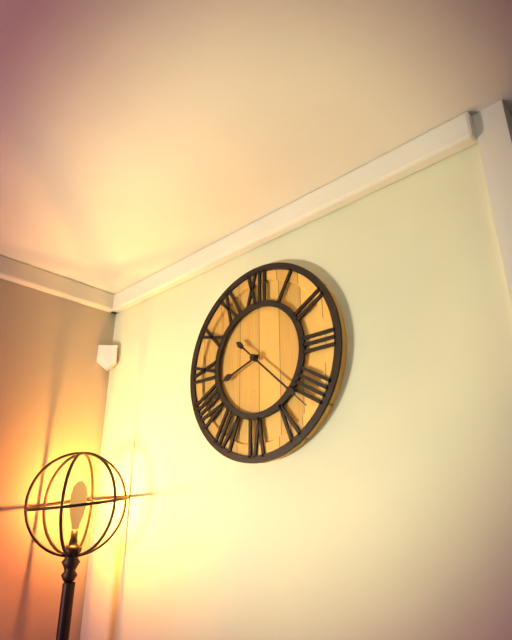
8.22
